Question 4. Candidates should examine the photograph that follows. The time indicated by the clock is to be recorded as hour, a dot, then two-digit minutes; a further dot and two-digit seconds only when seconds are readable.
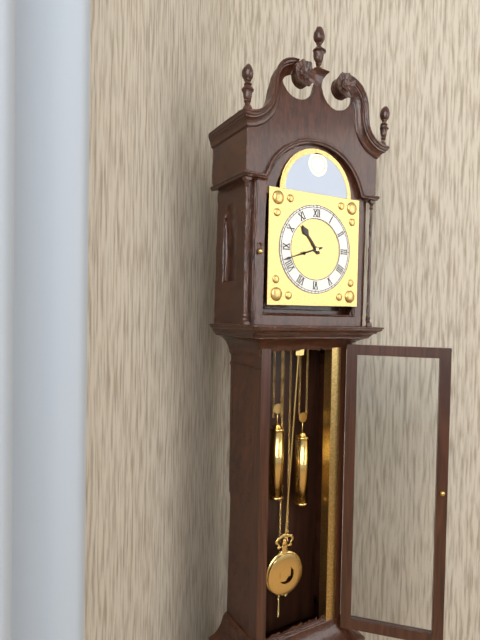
10.42
